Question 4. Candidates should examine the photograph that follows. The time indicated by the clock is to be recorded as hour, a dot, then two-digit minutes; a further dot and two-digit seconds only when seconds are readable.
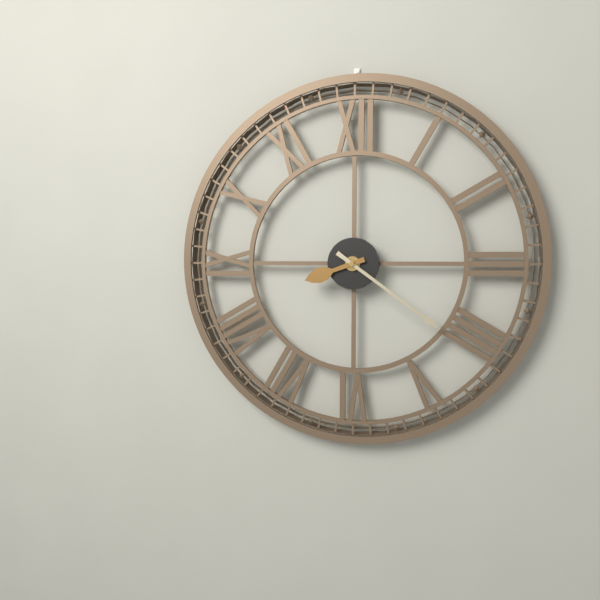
8.21
